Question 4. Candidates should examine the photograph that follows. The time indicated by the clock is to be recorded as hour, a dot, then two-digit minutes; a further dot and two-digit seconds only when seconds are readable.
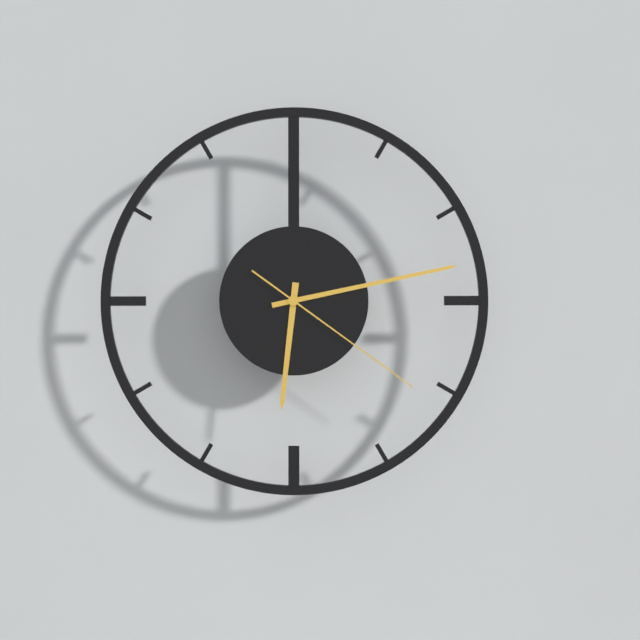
6.13.21
